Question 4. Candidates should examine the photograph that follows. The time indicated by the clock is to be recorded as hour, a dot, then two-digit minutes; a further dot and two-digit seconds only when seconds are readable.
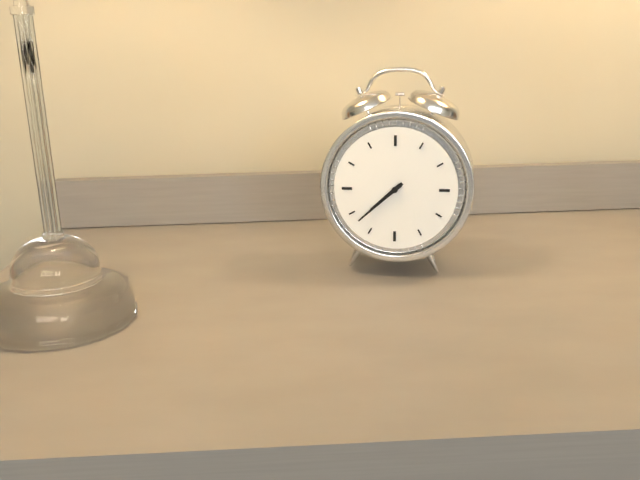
7.38
